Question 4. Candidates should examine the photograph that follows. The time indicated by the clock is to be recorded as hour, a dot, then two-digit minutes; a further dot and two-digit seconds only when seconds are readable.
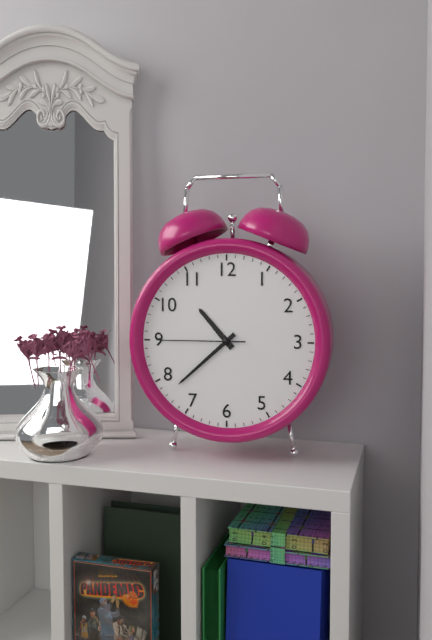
10.38.45
